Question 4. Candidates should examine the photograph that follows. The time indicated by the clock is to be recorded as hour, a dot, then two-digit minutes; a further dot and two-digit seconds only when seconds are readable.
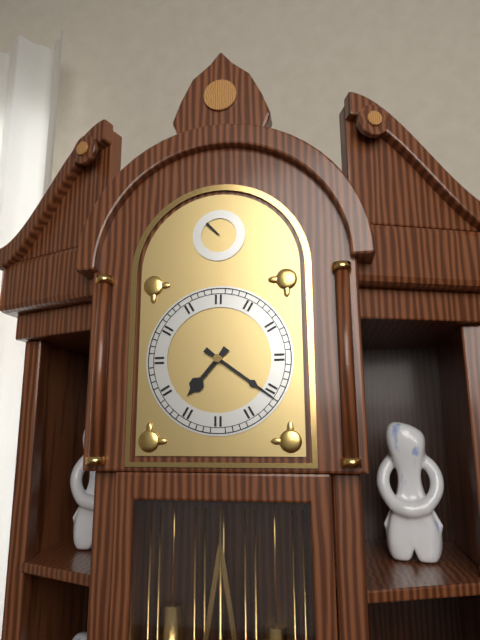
7.21
